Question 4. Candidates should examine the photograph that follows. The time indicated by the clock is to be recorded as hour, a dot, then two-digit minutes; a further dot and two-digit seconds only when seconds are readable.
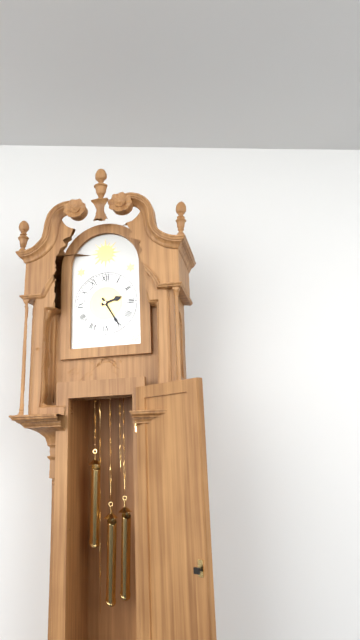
2.25
